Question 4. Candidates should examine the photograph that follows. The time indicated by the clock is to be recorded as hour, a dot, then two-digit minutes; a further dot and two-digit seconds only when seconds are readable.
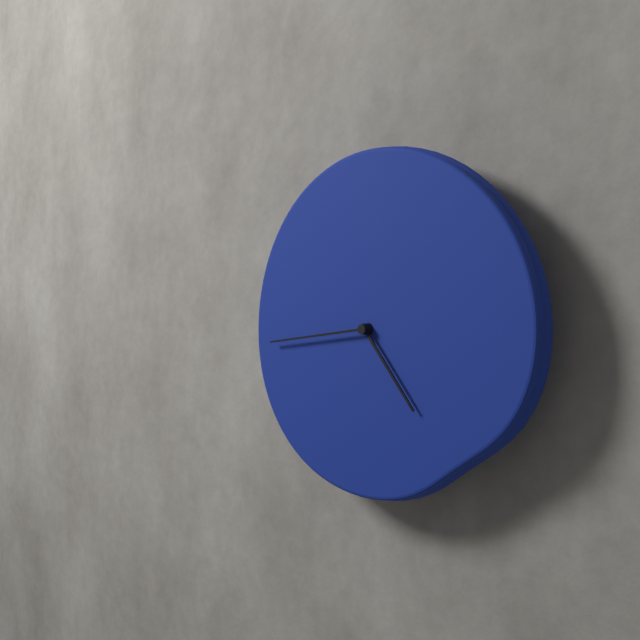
4.44
